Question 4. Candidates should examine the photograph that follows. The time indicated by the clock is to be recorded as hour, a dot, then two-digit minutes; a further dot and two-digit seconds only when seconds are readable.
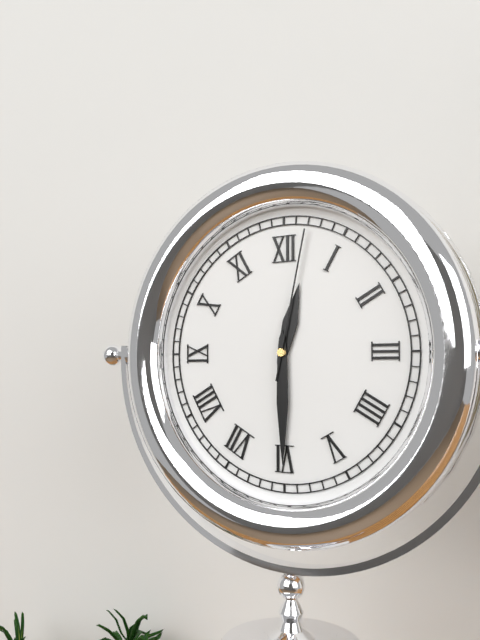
12.30.02
